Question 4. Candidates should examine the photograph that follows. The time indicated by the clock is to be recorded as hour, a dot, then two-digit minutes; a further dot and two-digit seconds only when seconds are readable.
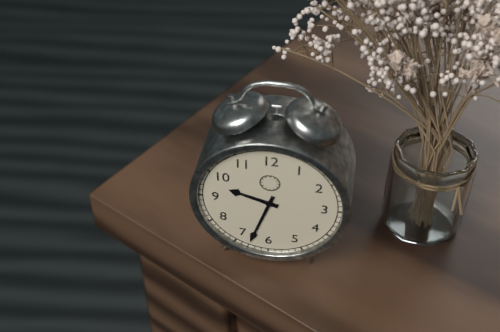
9.33
